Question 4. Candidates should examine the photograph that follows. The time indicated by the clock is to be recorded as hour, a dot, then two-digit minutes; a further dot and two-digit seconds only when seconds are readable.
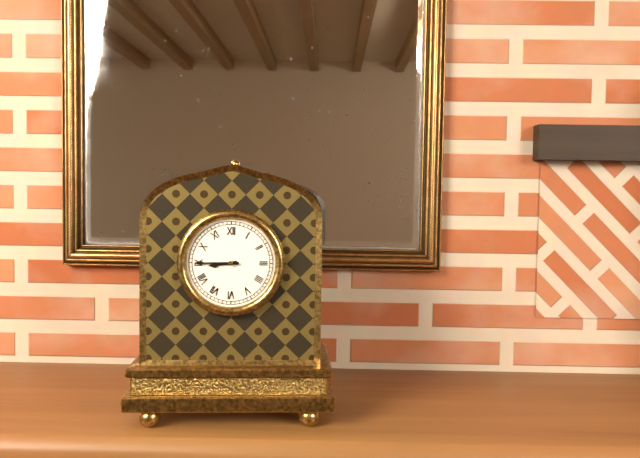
8.45
